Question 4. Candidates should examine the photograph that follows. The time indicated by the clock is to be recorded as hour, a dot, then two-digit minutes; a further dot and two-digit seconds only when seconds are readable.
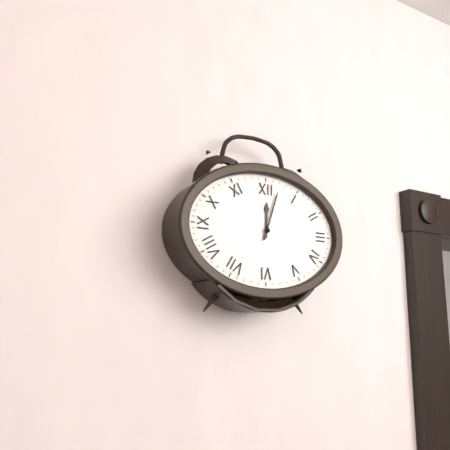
12.03
